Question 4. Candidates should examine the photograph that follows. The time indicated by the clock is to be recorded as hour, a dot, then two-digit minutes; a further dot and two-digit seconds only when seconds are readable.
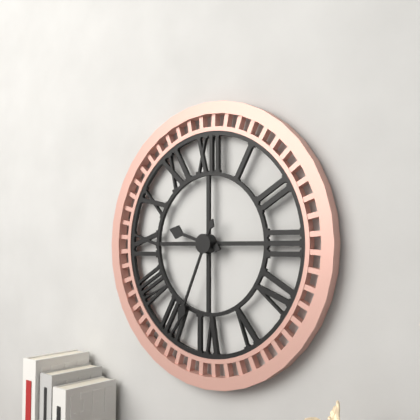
9.34
